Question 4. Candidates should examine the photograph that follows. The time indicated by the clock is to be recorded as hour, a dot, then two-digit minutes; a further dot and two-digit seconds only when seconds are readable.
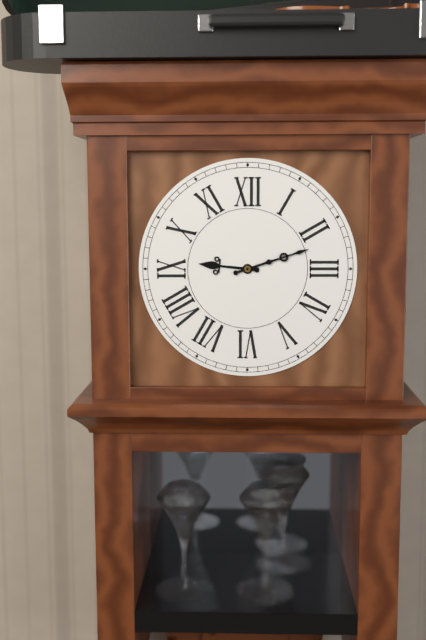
9.12
